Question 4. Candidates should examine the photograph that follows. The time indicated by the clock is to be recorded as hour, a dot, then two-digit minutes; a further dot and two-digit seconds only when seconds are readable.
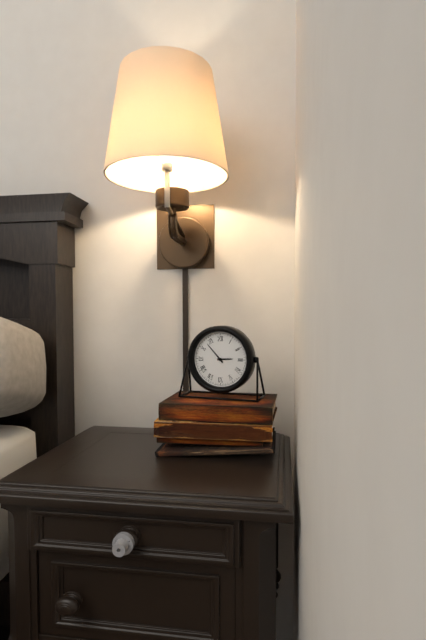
2.53
